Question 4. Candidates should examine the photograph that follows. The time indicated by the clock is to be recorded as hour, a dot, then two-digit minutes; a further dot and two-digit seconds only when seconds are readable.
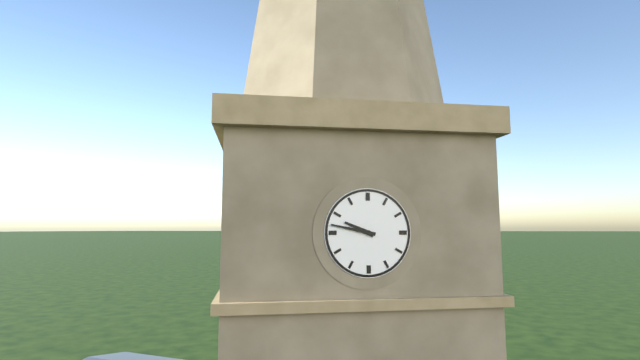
9.47
